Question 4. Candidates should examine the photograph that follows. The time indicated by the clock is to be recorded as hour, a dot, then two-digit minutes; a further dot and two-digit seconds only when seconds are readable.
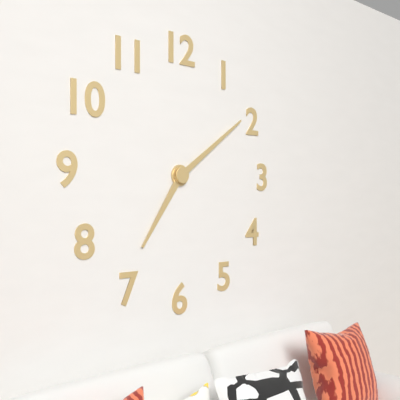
7.09
